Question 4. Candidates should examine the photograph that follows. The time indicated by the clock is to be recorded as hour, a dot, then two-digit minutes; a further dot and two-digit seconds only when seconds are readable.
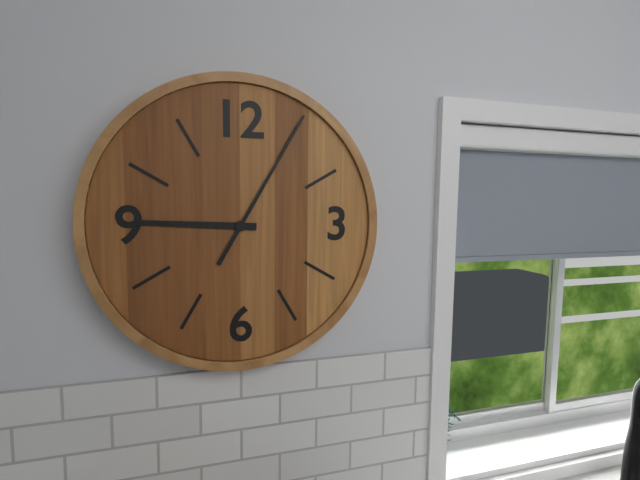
9.05
